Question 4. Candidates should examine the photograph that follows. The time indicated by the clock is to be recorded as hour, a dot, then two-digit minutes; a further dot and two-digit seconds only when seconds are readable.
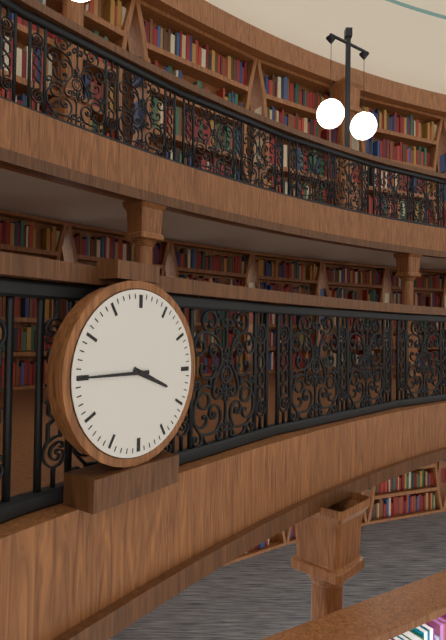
3.45
